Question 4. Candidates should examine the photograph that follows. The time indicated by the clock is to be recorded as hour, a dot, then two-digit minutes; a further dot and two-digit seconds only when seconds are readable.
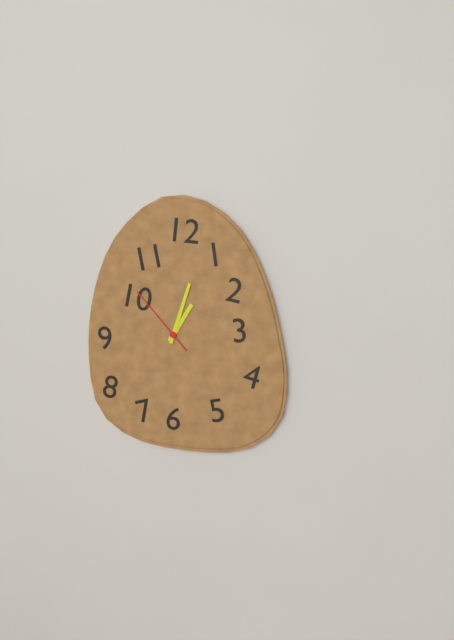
1.03.53
